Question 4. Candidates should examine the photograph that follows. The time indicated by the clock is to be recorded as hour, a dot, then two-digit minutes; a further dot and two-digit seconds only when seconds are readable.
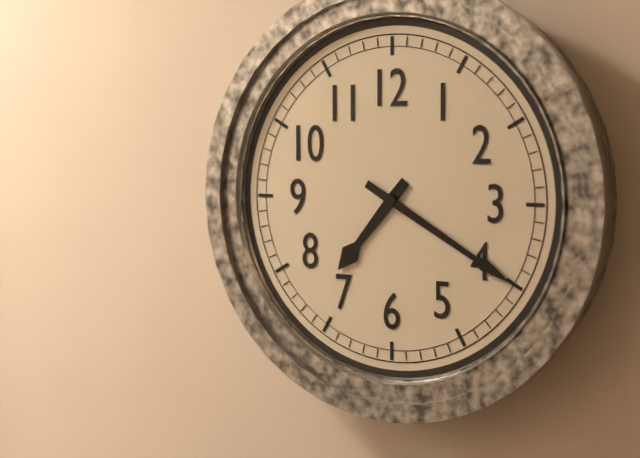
7.20
